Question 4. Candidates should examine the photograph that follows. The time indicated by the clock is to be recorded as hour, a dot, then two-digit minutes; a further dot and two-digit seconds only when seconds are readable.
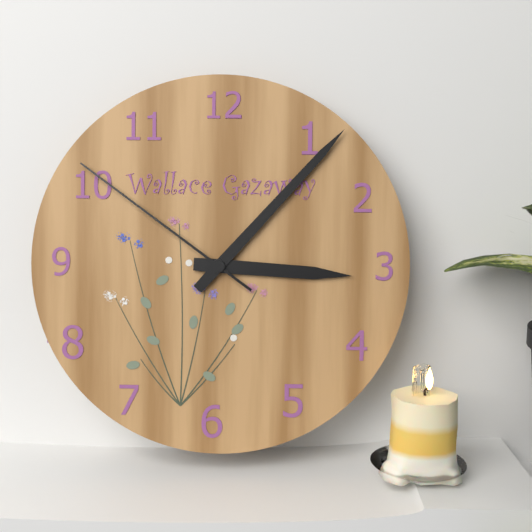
3.07.51
